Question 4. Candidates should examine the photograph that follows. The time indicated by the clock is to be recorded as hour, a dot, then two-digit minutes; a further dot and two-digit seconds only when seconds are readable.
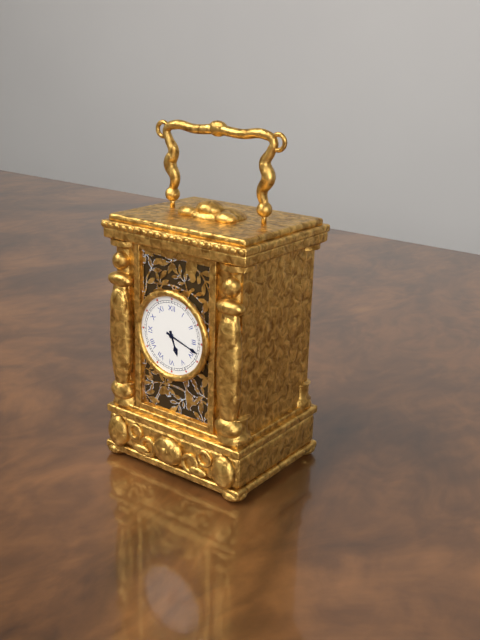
5.18
